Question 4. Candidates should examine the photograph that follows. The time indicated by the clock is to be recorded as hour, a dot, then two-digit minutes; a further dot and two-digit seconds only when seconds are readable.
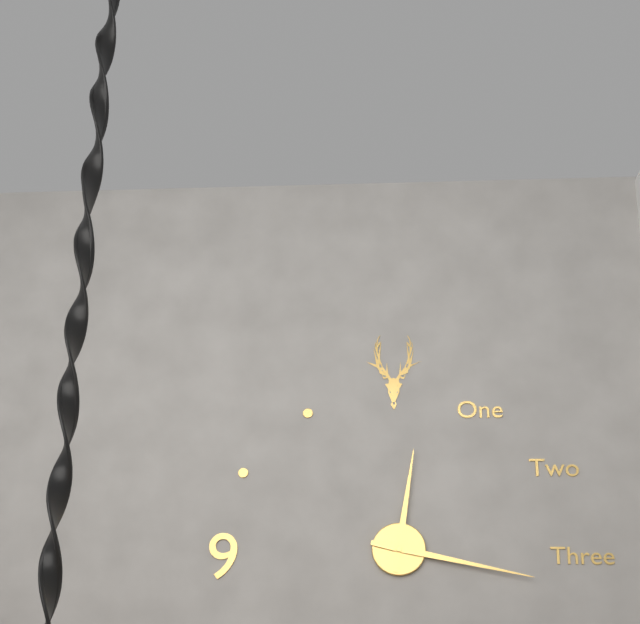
12.17
